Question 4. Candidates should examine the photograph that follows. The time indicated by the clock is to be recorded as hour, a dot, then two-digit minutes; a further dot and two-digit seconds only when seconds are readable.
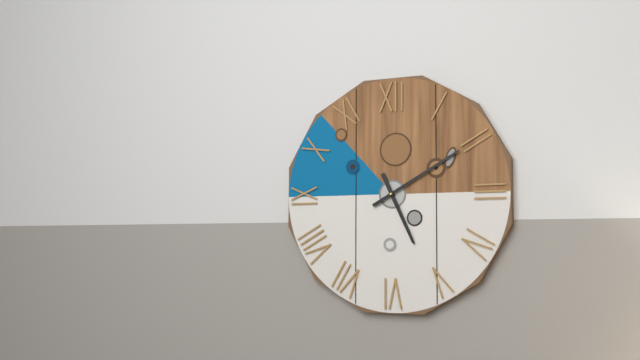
5.10
